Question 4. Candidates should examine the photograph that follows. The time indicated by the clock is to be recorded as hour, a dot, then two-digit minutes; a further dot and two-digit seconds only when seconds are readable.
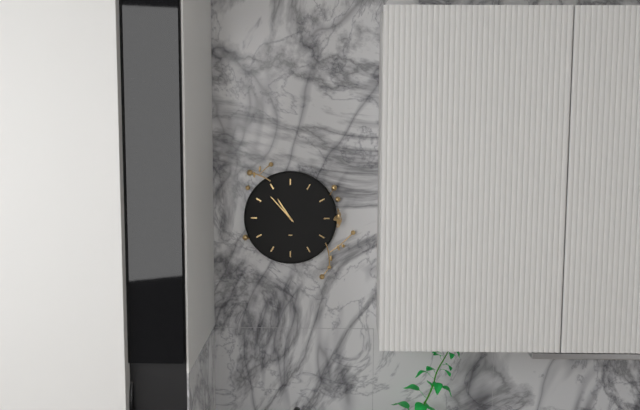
10.53
